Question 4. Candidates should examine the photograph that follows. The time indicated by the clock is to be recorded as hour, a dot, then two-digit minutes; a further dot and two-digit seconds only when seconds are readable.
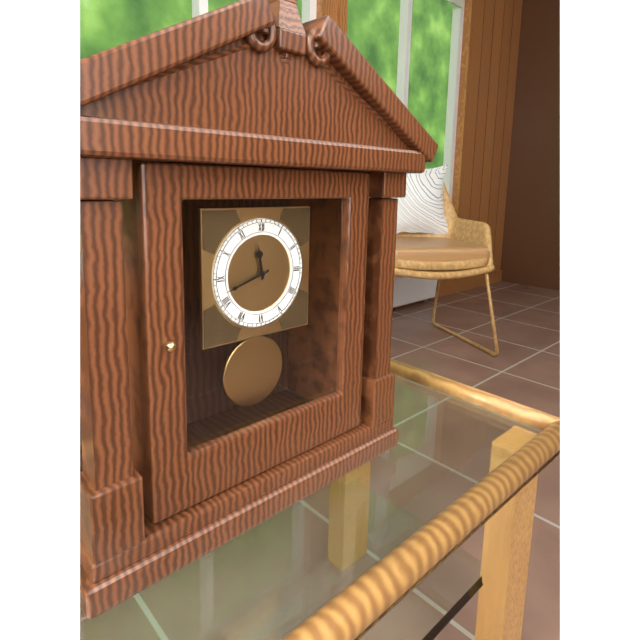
11.42
